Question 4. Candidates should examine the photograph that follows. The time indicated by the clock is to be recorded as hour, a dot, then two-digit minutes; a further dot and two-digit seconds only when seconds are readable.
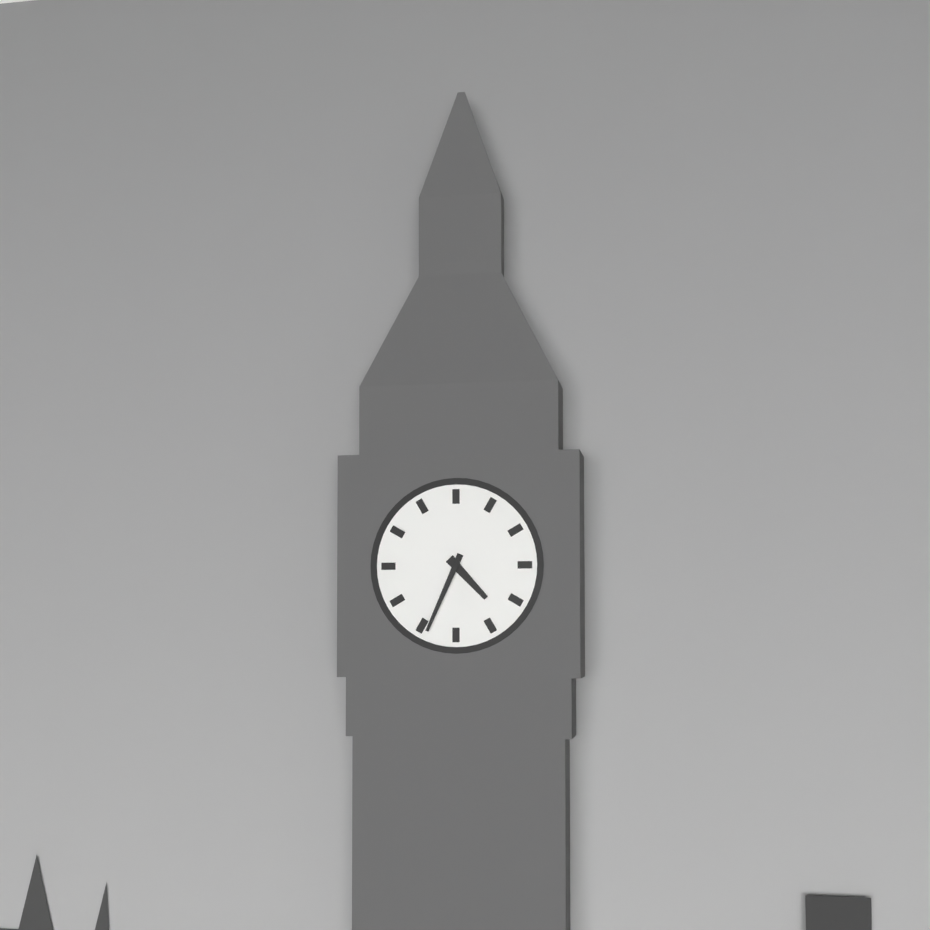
4.34
